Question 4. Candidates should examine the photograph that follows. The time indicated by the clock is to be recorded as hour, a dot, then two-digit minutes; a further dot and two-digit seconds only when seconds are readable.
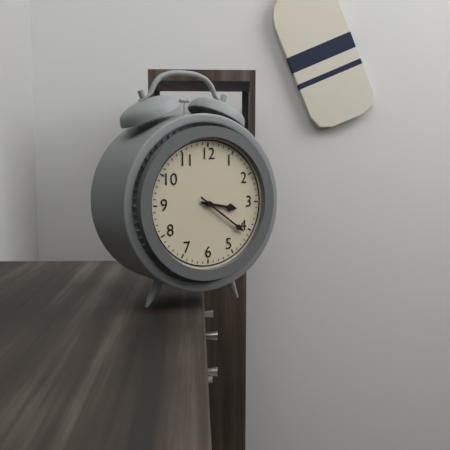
3.21
